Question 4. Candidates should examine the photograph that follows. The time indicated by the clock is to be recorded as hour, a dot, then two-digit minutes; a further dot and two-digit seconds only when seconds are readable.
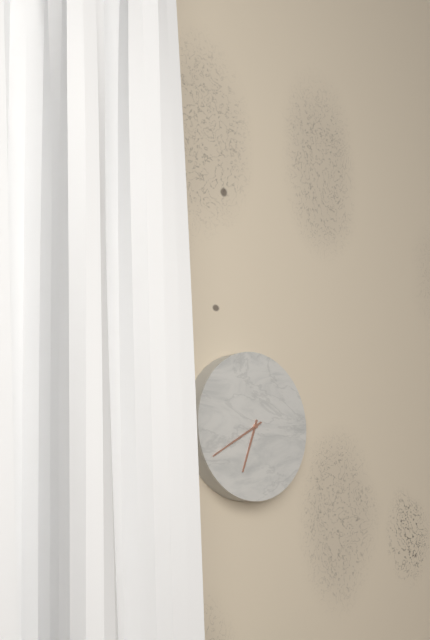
6.40
